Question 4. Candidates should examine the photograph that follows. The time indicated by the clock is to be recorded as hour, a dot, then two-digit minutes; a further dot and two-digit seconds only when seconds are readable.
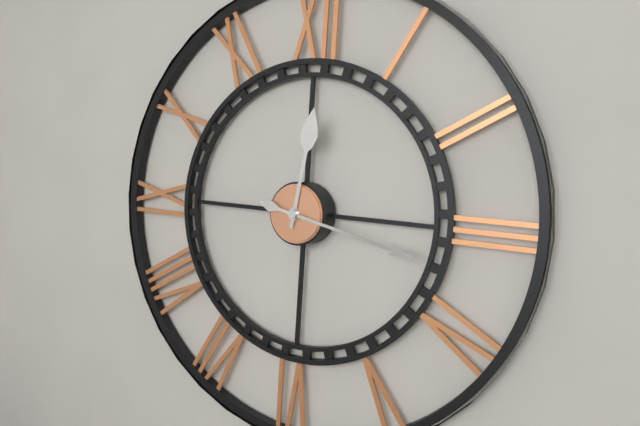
12.17
